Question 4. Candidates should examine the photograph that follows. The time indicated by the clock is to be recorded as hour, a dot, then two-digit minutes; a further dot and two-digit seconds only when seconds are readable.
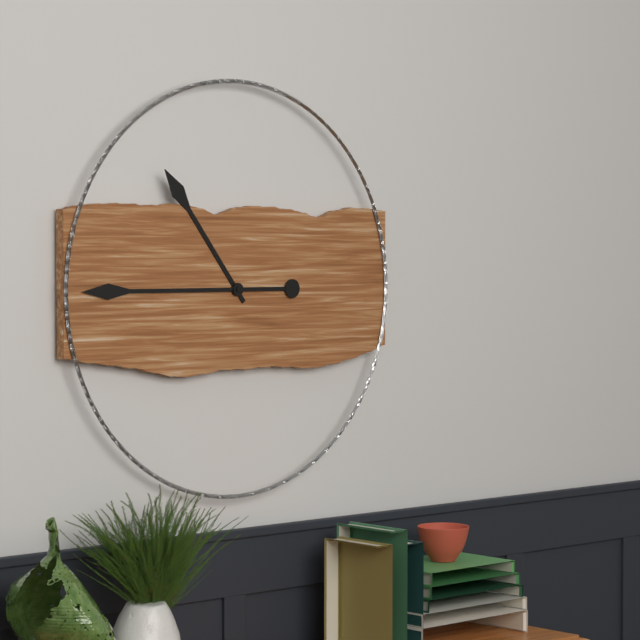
10.45
